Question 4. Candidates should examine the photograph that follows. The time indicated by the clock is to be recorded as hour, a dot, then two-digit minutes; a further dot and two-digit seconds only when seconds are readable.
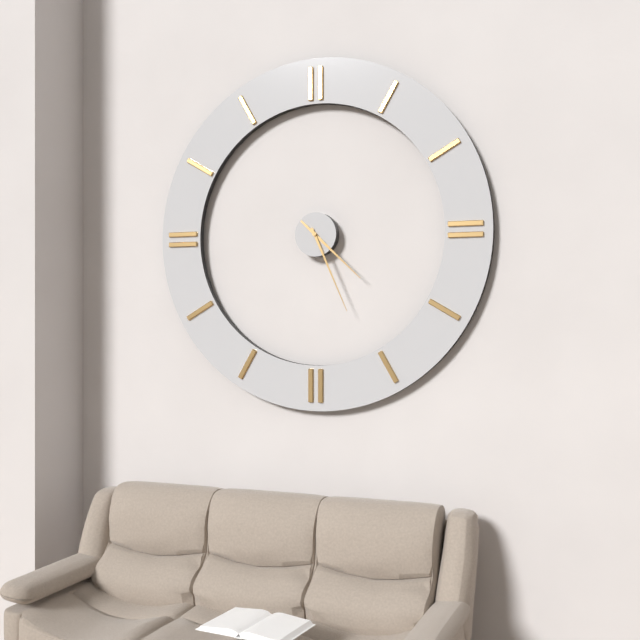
4.26
